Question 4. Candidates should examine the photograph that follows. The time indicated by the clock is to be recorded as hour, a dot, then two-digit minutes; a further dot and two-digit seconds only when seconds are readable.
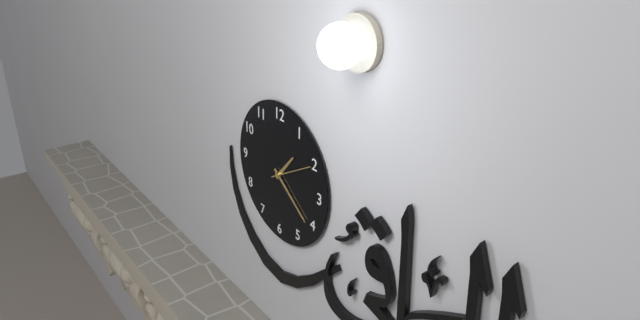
1.21
